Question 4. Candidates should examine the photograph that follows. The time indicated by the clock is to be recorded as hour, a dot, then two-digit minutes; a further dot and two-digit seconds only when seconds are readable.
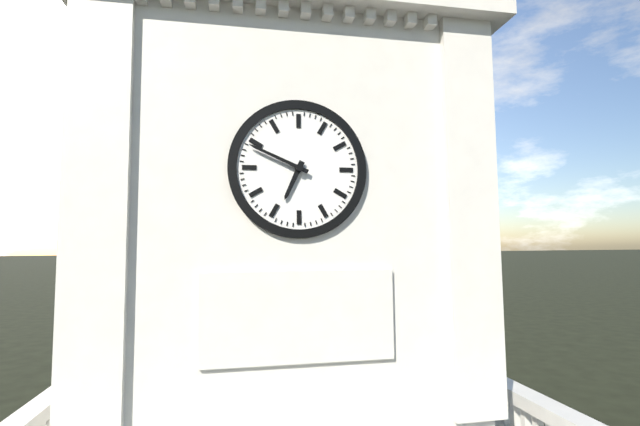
6.49
